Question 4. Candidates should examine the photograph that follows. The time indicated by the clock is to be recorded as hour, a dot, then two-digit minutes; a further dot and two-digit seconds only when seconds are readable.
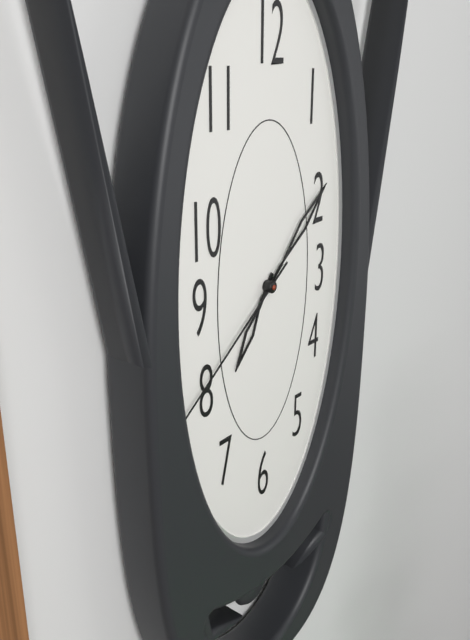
7.08.39
